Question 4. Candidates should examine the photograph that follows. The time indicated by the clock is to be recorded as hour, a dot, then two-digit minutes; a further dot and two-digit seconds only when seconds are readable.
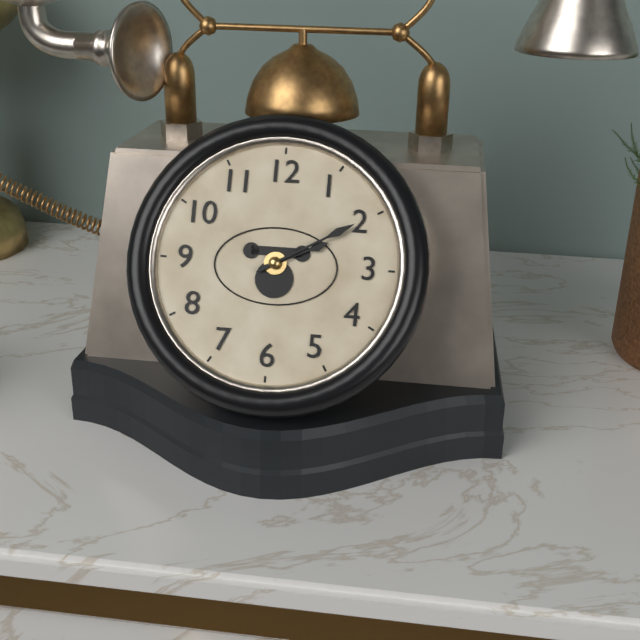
2.10
